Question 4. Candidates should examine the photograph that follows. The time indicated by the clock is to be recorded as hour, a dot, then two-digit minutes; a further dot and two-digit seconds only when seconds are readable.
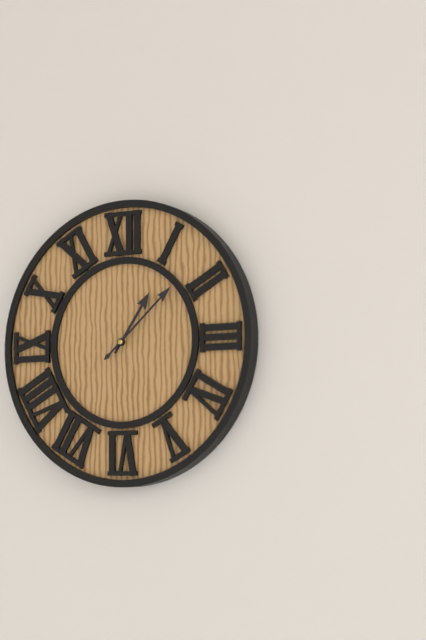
1.08
